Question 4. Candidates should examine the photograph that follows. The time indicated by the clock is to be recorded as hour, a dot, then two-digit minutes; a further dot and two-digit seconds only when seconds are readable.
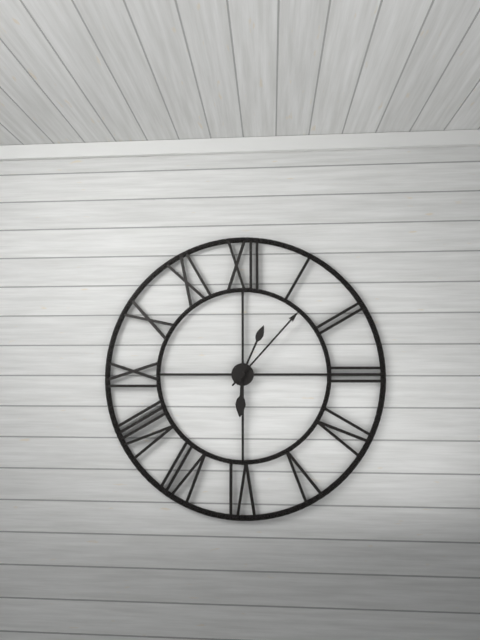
6.07.04
